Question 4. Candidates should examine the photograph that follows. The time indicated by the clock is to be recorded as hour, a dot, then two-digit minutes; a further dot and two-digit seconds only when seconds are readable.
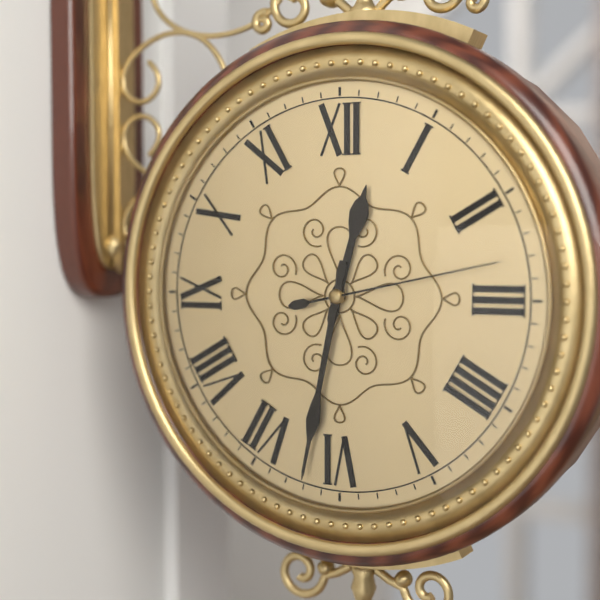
12.32.13
